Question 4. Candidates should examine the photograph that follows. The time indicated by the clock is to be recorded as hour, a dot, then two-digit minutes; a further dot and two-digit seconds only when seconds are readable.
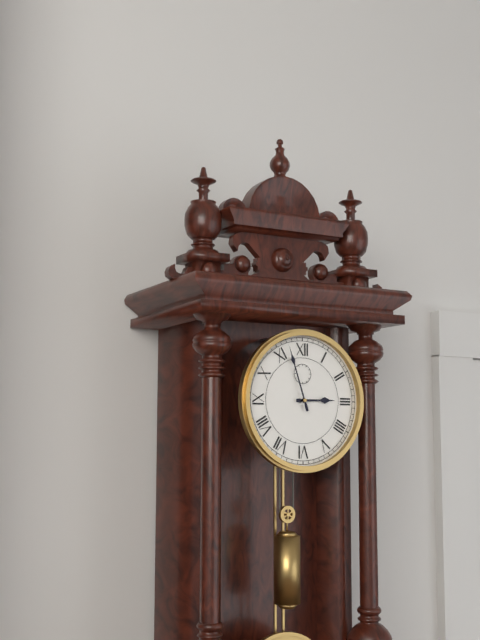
2.57
